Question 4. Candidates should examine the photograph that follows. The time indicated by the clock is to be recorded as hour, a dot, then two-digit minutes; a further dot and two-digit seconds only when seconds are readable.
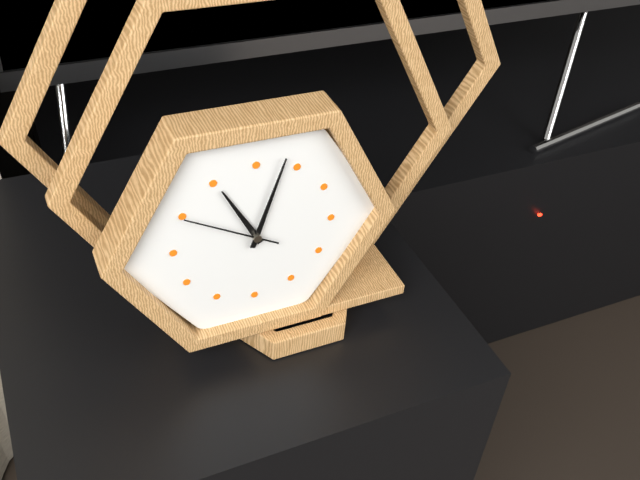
11.03.50
